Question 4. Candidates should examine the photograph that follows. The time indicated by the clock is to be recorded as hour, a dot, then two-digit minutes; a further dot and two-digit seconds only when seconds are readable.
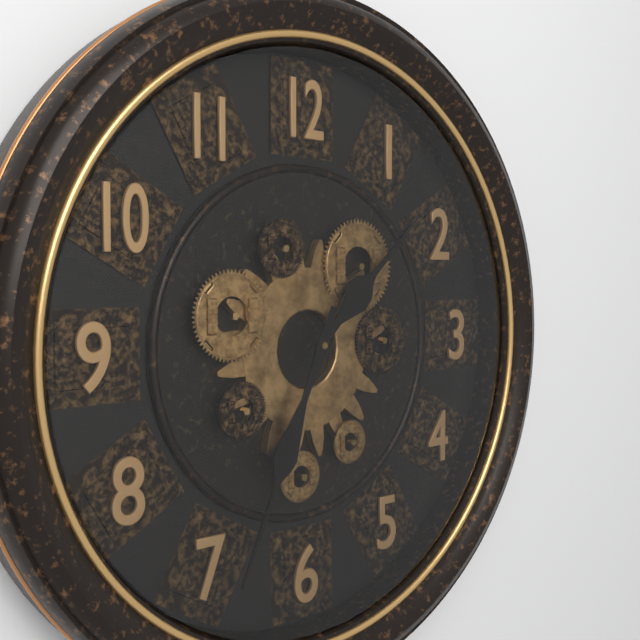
1.34
